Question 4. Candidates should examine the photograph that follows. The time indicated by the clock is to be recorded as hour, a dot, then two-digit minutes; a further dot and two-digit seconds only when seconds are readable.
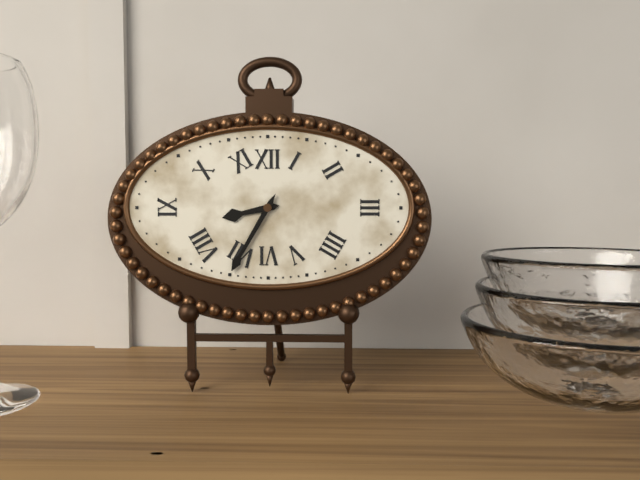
8.35
